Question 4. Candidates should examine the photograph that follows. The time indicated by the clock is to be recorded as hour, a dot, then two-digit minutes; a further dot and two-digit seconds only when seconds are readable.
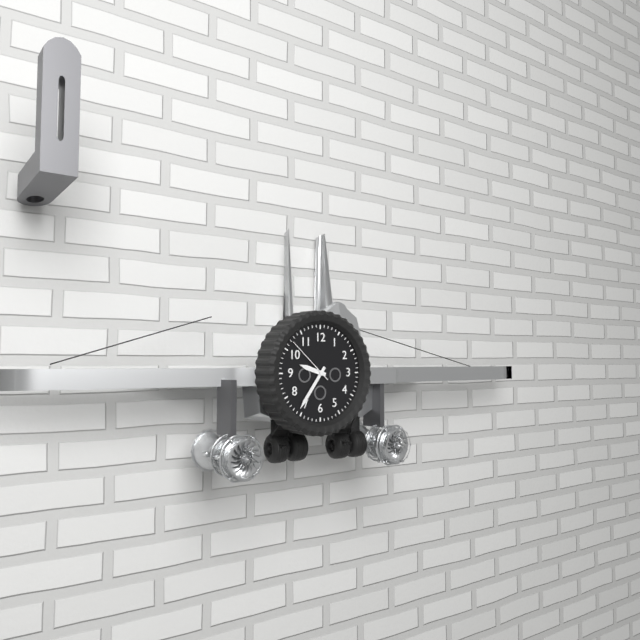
9.36.52
